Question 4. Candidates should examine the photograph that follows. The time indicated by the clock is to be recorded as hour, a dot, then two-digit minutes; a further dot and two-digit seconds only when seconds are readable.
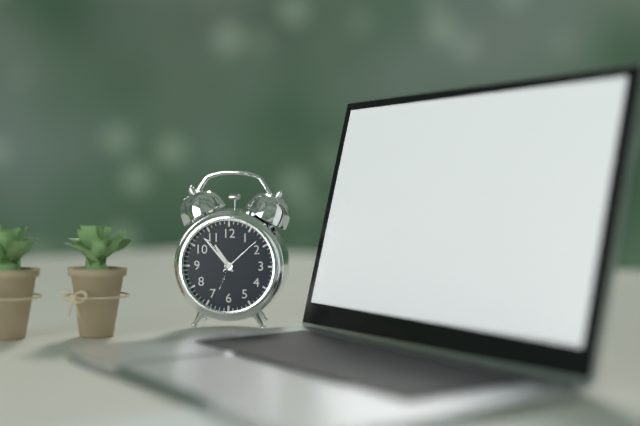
10.53
